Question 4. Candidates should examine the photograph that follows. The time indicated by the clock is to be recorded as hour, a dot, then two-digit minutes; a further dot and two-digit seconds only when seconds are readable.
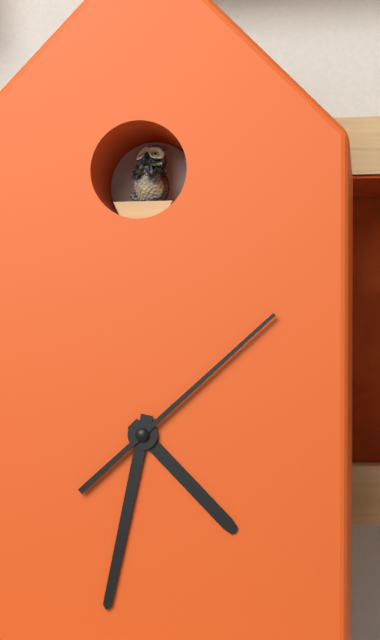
4.32.08
